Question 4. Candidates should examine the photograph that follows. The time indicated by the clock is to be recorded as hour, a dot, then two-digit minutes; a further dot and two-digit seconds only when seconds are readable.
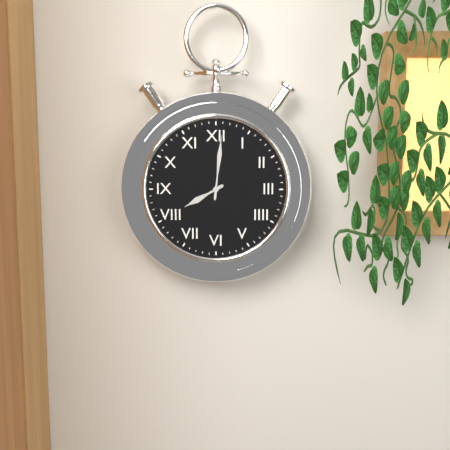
8.01
